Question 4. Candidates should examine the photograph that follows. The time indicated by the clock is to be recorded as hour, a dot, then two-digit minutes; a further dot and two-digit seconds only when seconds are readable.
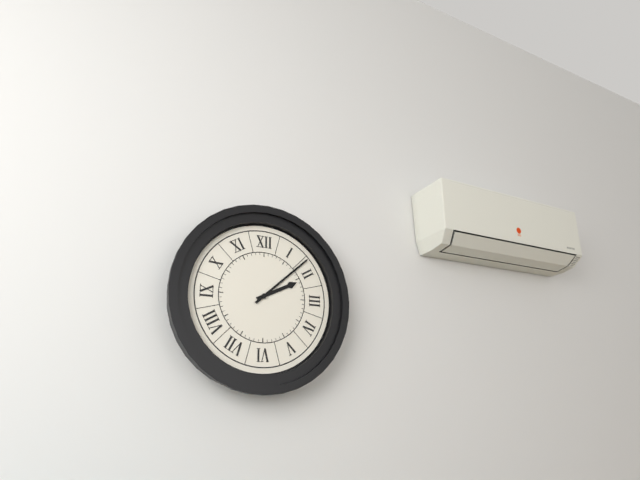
2.08
